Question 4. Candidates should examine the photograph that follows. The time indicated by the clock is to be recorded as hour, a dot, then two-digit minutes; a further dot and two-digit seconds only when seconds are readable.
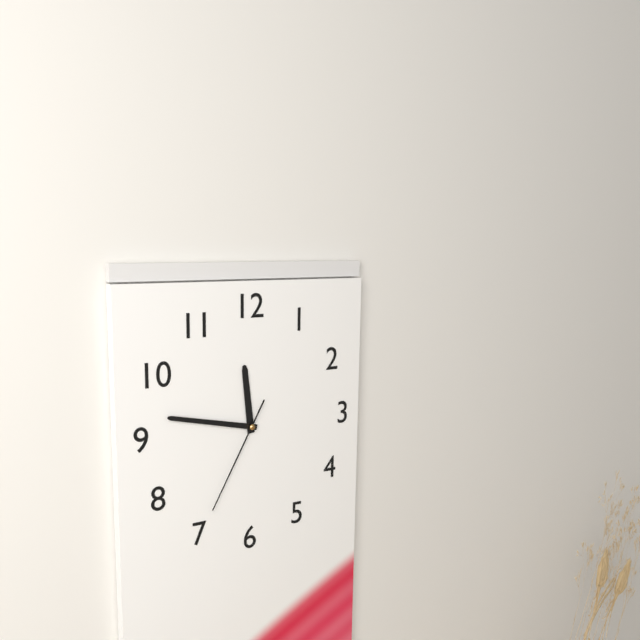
11.47.35
